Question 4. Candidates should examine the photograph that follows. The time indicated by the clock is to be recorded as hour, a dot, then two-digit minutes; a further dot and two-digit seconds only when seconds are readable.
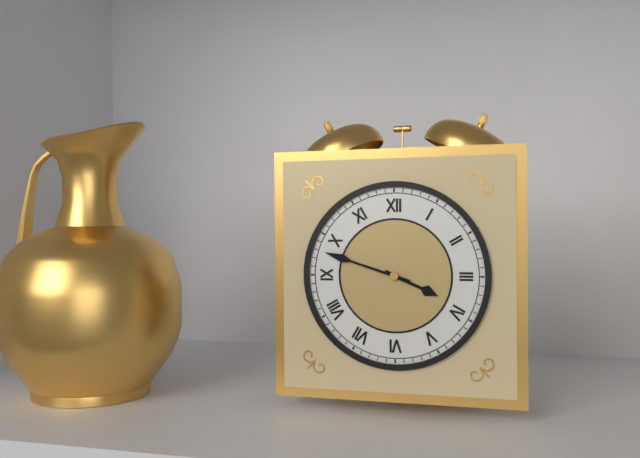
3.48
